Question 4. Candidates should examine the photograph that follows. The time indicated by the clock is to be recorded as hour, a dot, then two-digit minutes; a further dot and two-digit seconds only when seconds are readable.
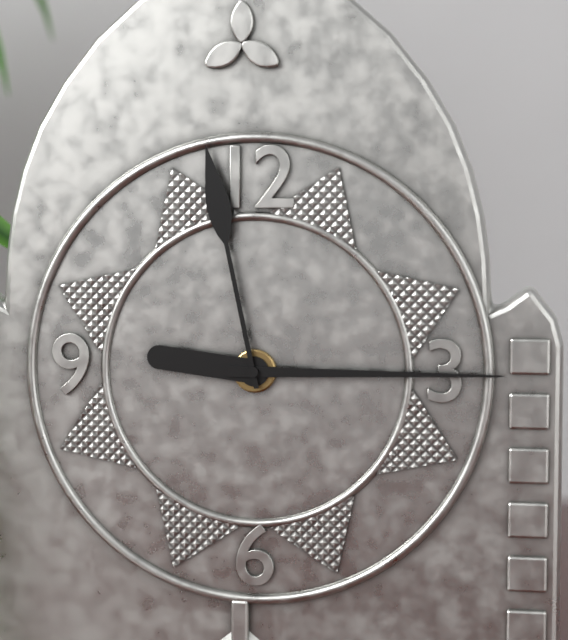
9.15.58
